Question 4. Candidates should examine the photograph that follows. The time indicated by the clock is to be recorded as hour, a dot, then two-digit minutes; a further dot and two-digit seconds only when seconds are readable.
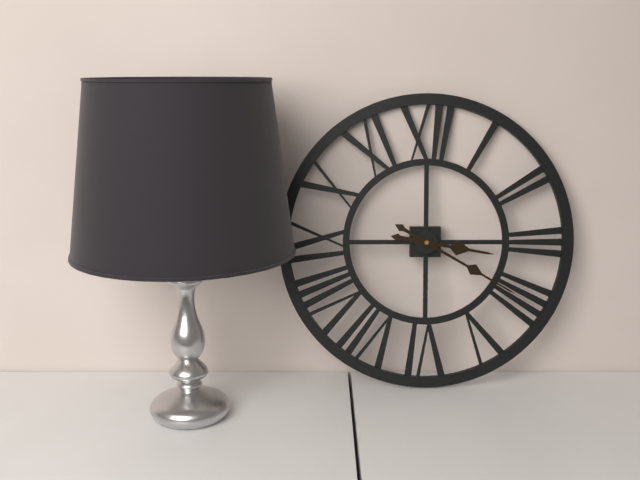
3.20
